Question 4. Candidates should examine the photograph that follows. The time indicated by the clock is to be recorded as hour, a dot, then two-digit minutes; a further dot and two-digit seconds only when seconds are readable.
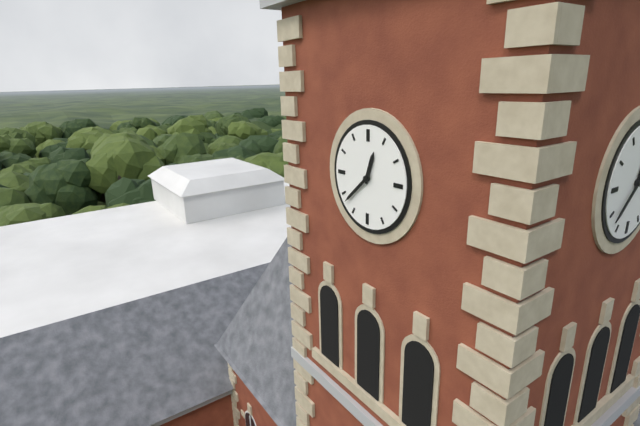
12.38
